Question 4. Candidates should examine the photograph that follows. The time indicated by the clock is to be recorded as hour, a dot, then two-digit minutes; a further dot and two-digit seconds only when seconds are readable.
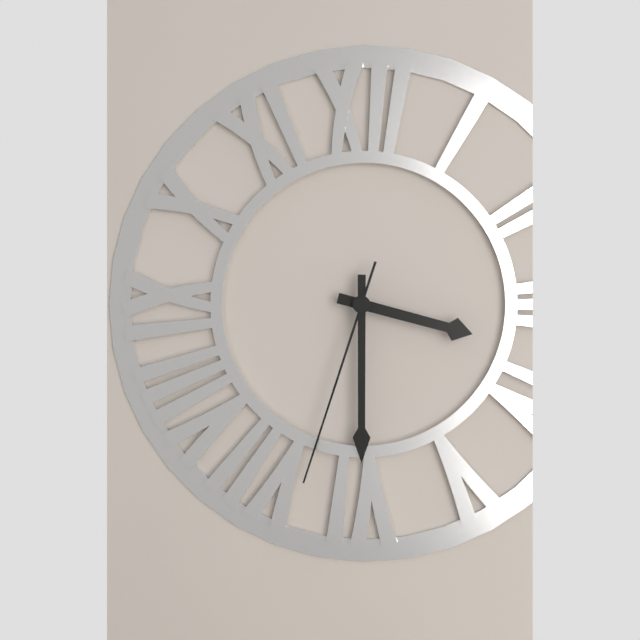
3.30.33
